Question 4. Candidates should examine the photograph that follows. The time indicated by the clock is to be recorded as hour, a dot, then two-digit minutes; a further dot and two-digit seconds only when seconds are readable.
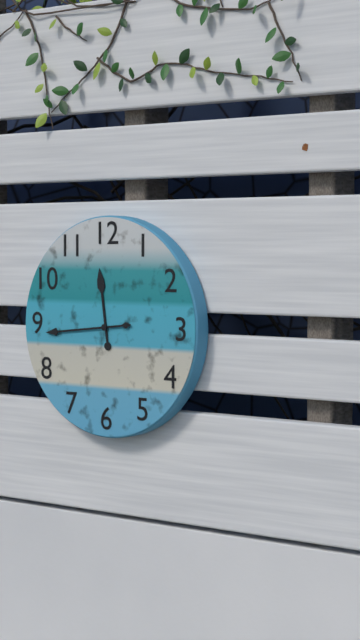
11.44
